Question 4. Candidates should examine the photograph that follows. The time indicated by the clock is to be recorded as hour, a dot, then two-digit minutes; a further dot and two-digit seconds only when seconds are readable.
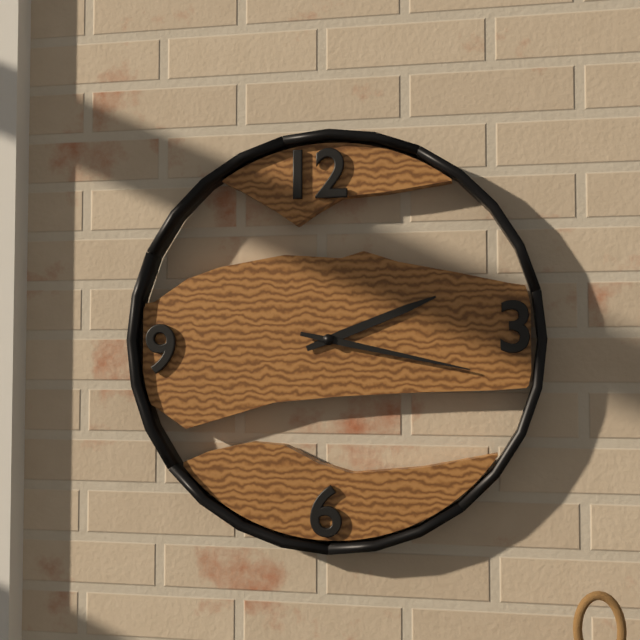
2.17
